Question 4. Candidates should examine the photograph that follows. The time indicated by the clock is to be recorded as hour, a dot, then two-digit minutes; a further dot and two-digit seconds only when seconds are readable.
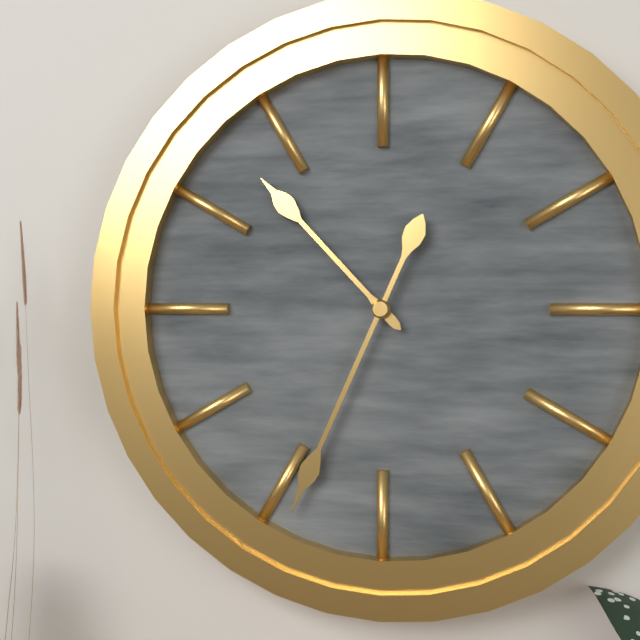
10.34
